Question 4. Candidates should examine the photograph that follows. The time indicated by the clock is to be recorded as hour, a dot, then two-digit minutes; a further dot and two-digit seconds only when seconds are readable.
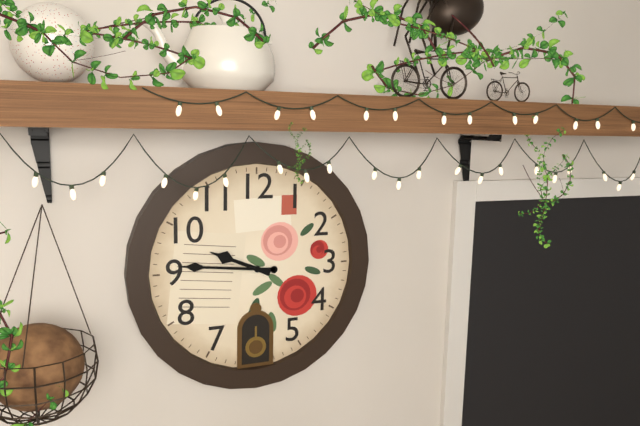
9.46
